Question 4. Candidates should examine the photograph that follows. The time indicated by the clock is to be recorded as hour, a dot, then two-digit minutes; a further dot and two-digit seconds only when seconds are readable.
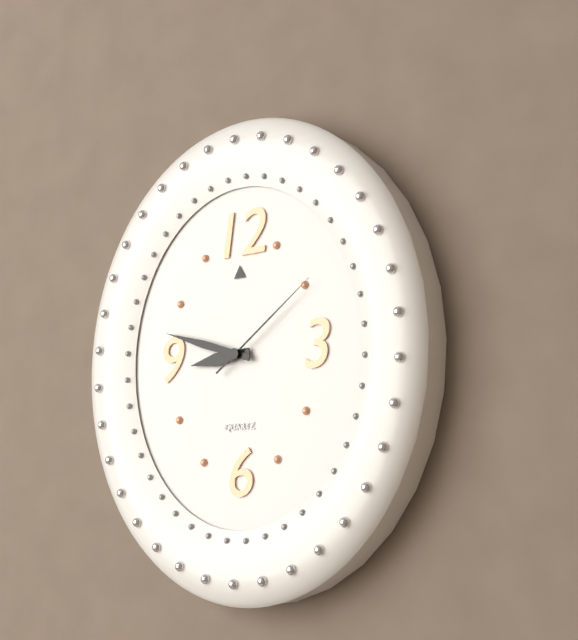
8.48.09
